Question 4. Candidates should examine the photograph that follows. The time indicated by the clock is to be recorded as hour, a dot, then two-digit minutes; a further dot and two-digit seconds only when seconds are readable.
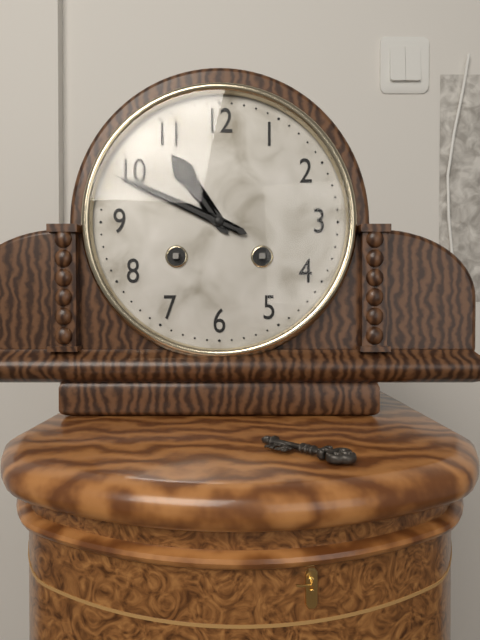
10.49
